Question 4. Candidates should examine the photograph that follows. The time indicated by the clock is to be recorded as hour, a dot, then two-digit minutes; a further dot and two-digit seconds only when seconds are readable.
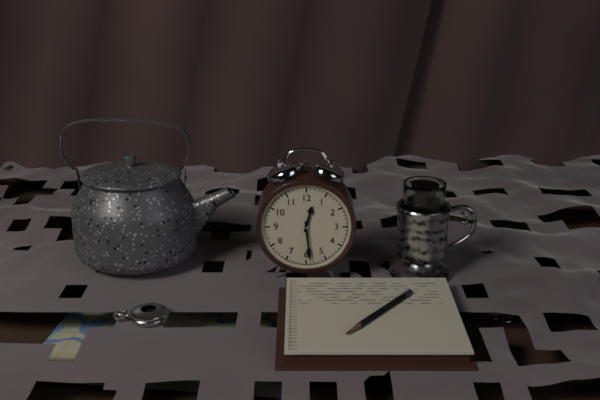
12.29
